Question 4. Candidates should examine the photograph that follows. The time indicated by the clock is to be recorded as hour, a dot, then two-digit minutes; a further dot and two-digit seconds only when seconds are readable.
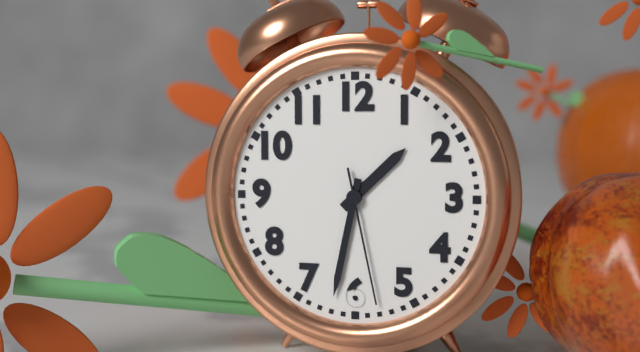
1.32.28
